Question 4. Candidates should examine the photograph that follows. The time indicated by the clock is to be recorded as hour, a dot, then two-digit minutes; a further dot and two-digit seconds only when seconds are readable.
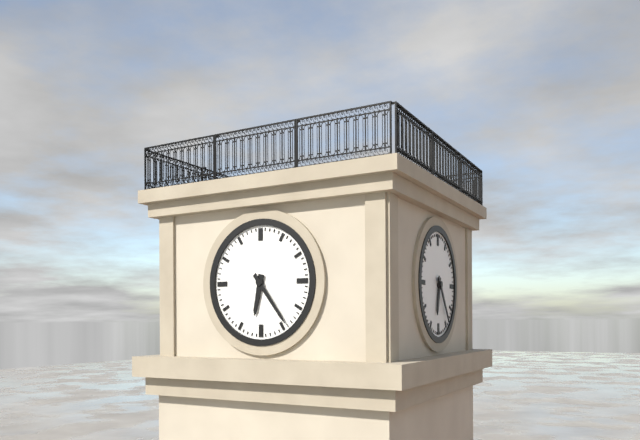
6.24
